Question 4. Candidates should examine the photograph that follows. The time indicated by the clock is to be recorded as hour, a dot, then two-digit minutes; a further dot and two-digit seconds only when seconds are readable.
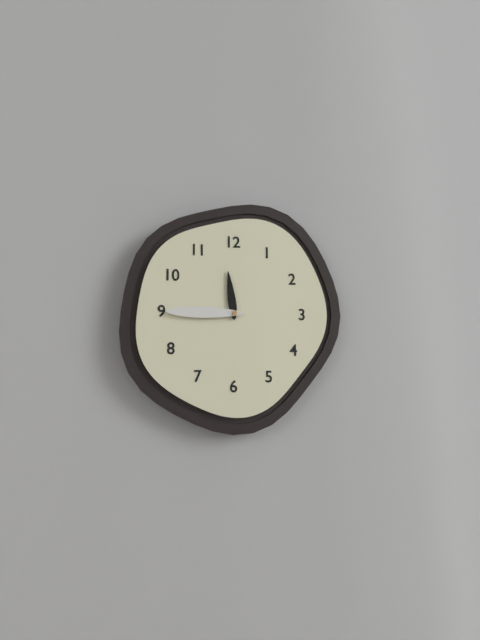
11.45
